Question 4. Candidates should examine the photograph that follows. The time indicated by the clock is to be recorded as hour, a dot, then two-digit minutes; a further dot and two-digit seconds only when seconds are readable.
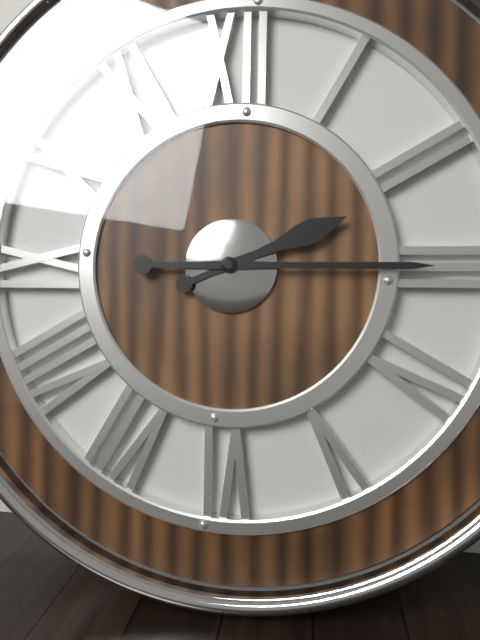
2.15
